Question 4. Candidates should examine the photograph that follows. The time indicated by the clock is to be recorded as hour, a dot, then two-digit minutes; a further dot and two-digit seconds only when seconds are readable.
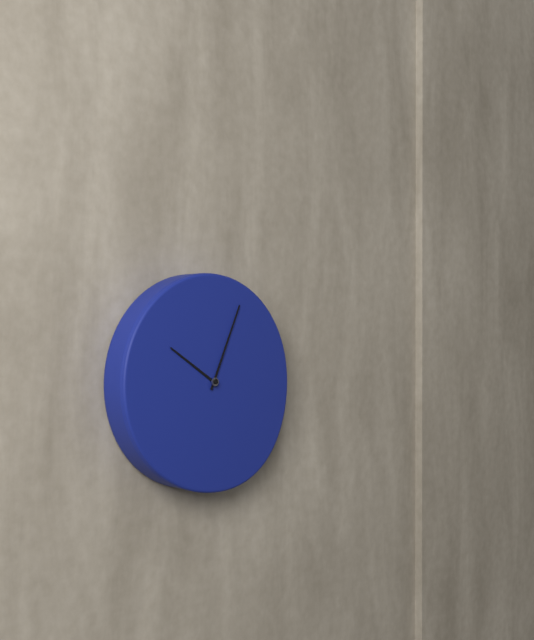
10.04
